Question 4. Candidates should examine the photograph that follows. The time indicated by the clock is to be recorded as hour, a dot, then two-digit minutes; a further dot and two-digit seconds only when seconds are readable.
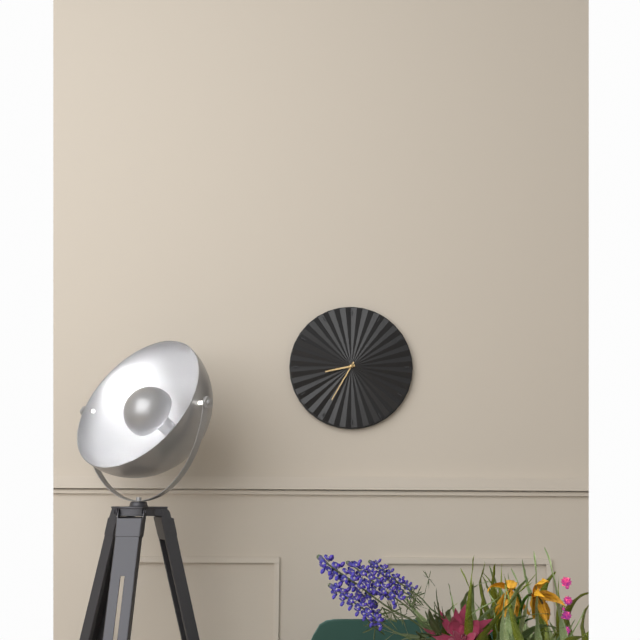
8.35
